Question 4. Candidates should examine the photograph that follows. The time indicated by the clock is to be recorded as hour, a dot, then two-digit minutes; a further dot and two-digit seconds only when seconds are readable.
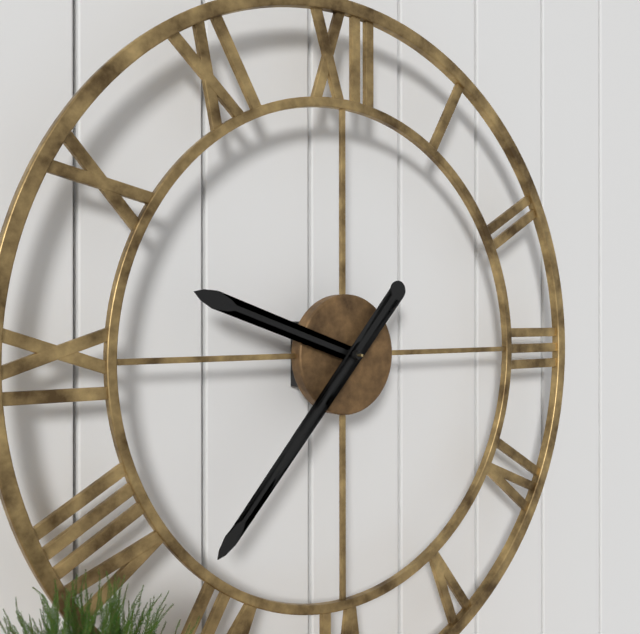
9.37
